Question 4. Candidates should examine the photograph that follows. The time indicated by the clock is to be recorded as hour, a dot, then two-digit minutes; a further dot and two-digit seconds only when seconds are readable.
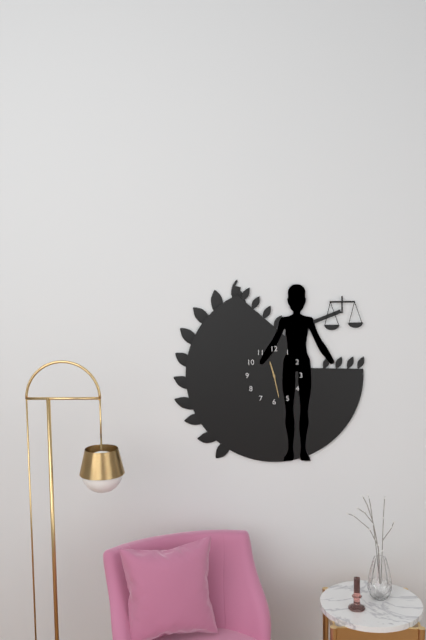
11.28
